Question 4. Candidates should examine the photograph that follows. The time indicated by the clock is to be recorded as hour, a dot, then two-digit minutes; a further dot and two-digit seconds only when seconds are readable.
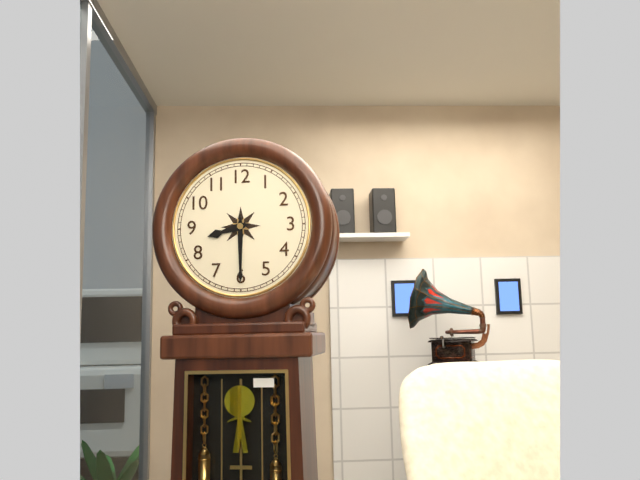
8.30
